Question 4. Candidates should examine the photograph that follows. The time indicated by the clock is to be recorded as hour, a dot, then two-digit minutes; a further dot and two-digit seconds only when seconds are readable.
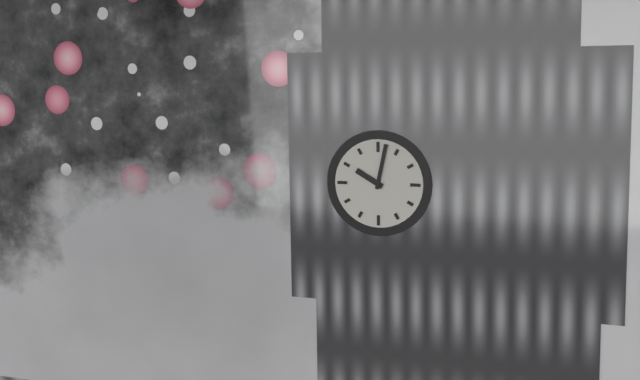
10.02
